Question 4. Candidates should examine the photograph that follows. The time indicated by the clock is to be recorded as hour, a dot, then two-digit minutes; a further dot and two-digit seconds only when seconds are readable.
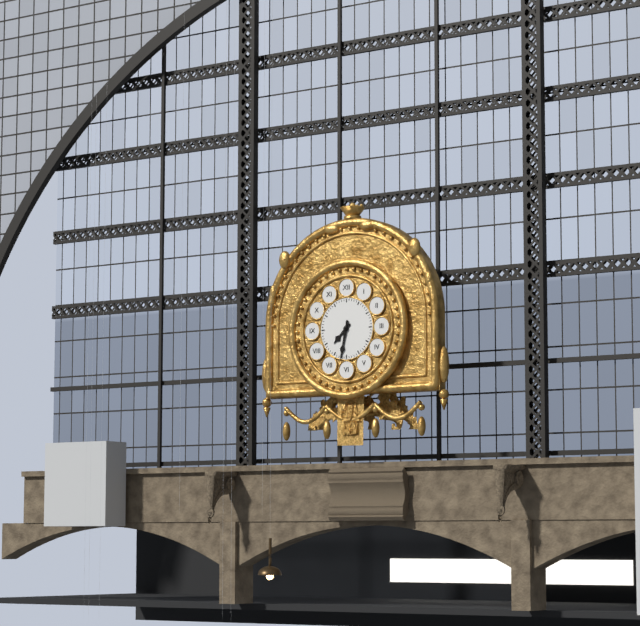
7.32
